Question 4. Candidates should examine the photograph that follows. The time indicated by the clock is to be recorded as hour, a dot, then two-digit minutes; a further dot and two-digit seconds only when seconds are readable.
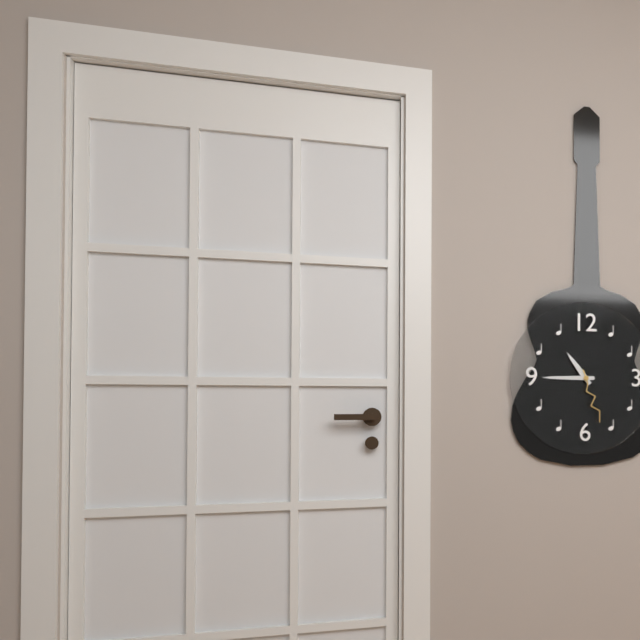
10.45.27
